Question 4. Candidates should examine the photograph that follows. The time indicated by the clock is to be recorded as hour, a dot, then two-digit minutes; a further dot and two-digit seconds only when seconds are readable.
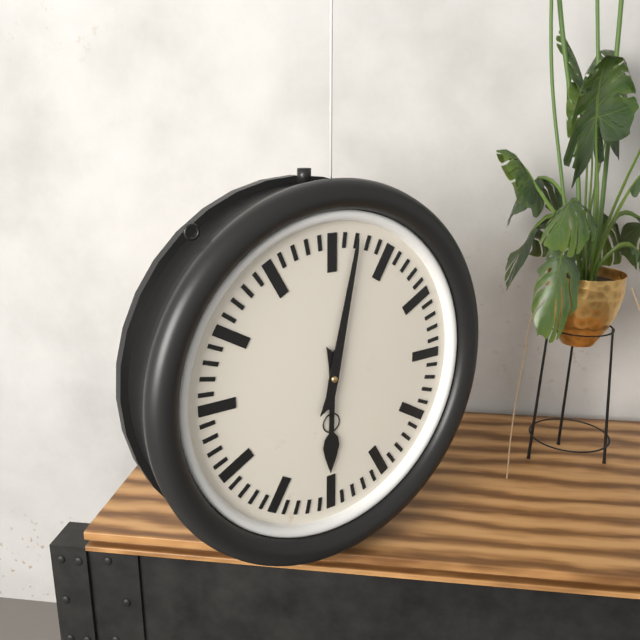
6.02
